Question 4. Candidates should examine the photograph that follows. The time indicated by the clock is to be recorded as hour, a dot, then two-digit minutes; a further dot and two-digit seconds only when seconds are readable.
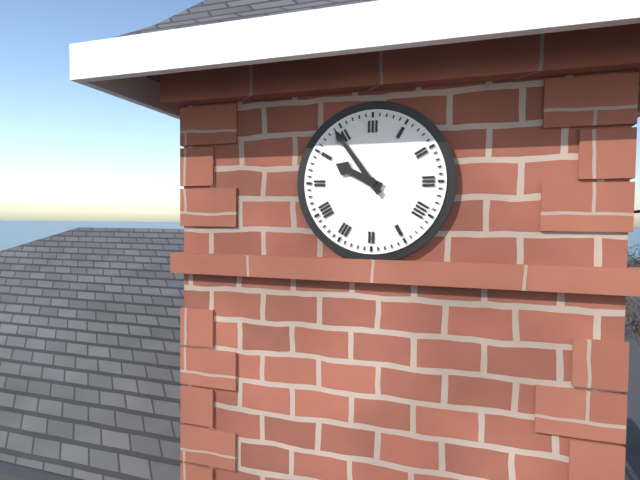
9.54
